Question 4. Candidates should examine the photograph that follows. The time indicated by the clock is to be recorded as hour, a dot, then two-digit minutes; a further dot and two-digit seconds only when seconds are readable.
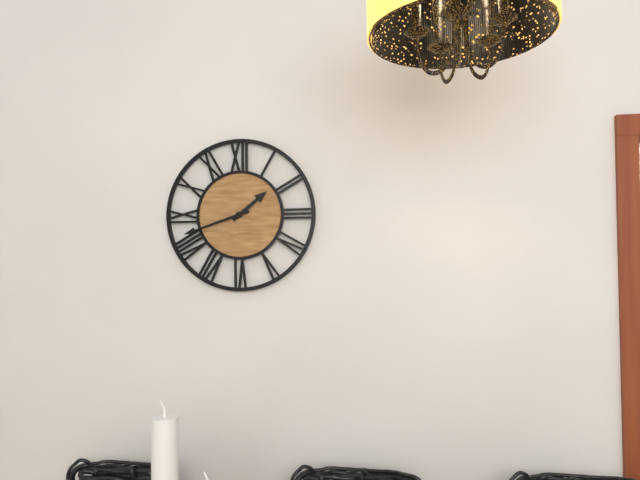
1.42
